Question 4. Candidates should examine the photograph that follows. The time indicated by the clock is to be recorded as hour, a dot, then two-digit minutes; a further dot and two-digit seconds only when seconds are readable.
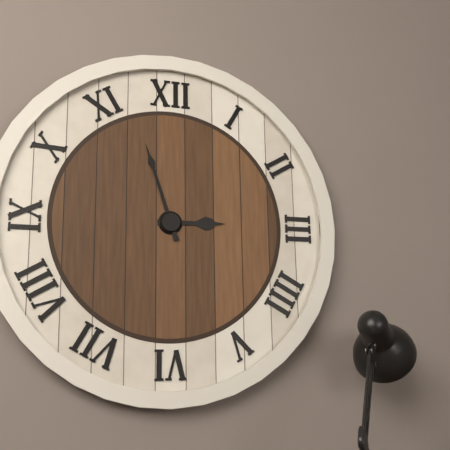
2.57
